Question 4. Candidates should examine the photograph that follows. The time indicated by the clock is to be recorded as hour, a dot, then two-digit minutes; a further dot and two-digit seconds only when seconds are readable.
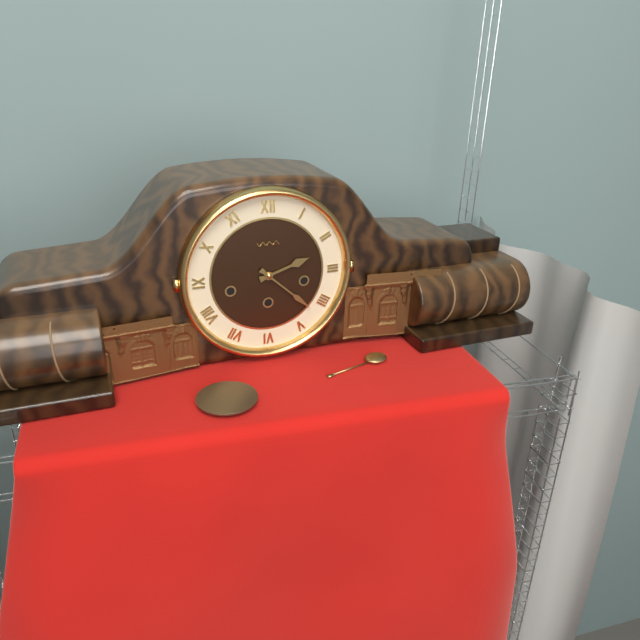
2.22
